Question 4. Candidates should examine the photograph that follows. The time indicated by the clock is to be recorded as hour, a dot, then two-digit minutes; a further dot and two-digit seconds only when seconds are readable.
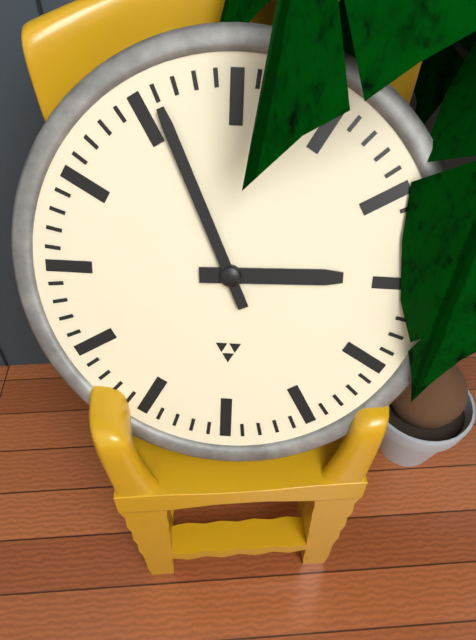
2.56
